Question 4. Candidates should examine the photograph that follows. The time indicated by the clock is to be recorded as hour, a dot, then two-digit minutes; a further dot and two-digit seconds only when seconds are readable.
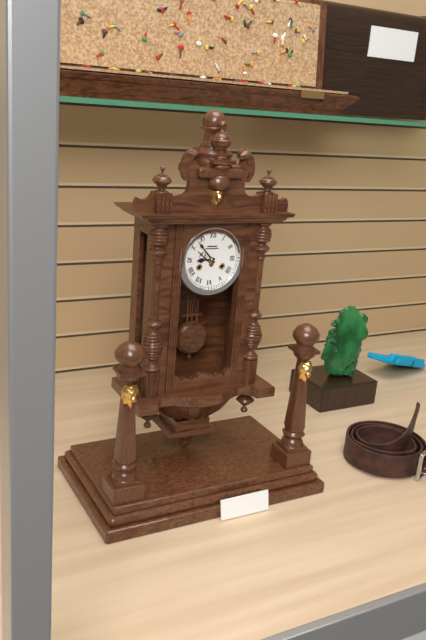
8.53
